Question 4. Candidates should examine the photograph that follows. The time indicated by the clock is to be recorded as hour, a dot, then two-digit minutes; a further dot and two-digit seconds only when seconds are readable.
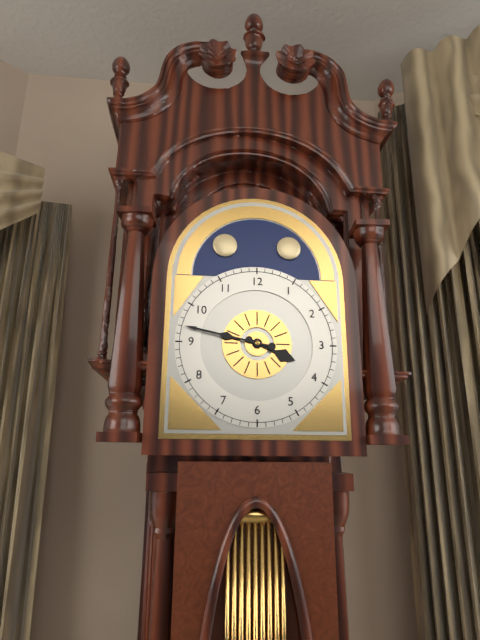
3.47
